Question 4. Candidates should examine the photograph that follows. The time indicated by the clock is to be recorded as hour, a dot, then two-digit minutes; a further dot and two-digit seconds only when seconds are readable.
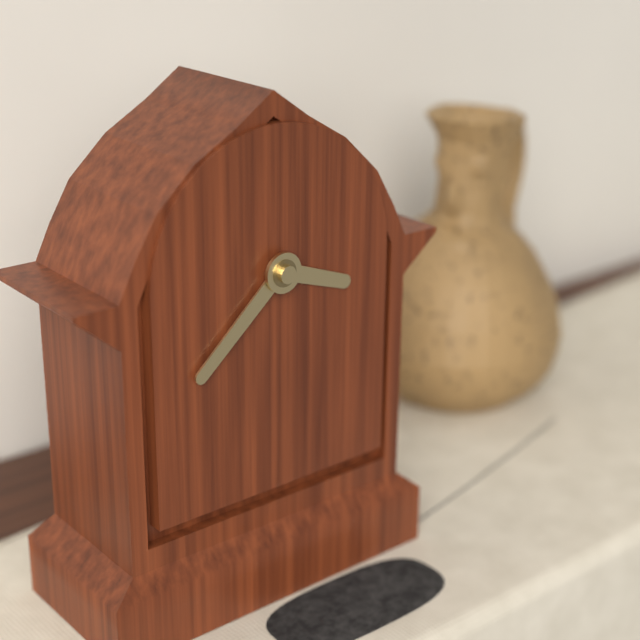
3.38
